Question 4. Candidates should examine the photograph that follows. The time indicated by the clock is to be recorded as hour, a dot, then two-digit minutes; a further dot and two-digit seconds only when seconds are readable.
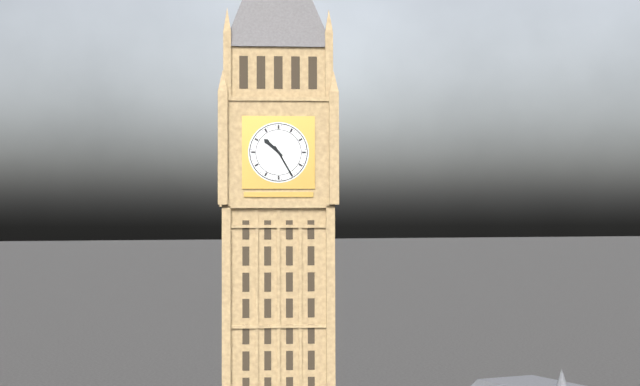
10.25
